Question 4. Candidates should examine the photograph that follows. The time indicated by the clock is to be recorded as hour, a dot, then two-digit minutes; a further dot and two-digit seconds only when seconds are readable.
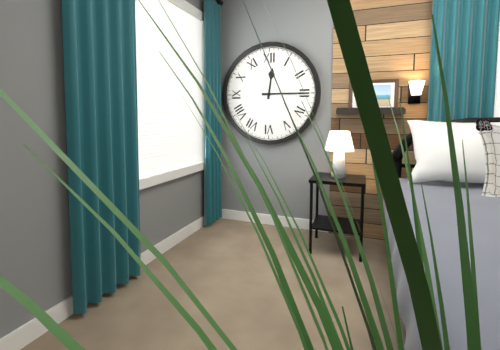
12.15
